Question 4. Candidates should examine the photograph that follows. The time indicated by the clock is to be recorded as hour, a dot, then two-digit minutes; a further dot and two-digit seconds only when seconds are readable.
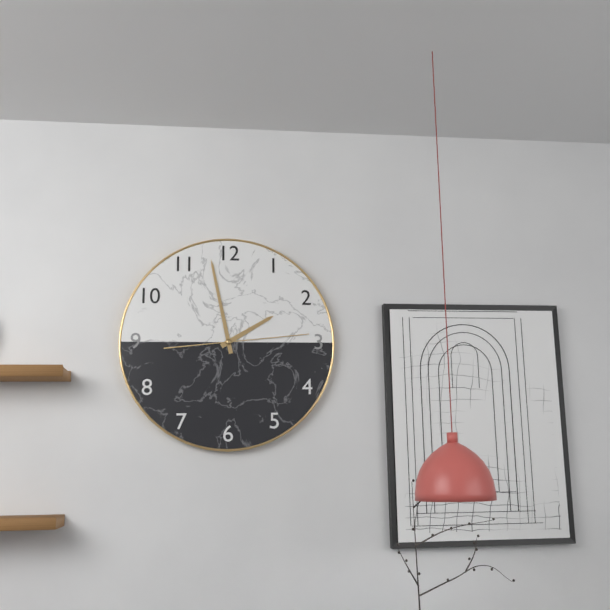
1.58.14
